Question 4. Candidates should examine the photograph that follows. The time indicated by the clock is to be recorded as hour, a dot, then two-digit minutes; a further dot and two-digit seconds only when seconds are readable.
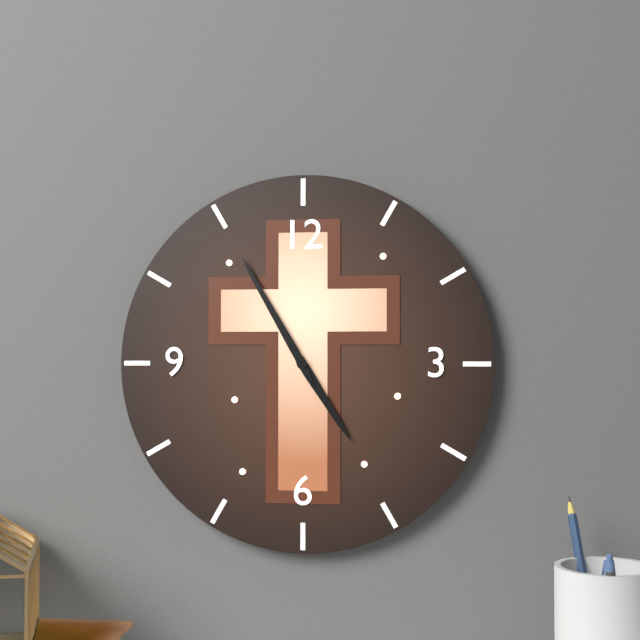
4.55
